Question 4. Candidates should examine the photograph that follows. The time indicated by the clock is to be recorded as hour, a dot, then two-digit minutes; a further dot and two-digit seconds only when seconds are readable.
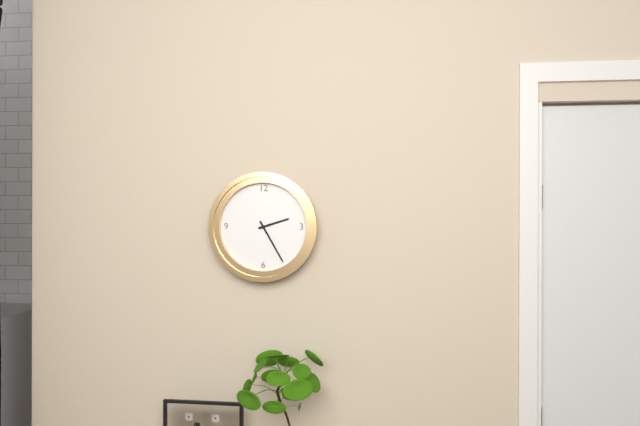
2.25
